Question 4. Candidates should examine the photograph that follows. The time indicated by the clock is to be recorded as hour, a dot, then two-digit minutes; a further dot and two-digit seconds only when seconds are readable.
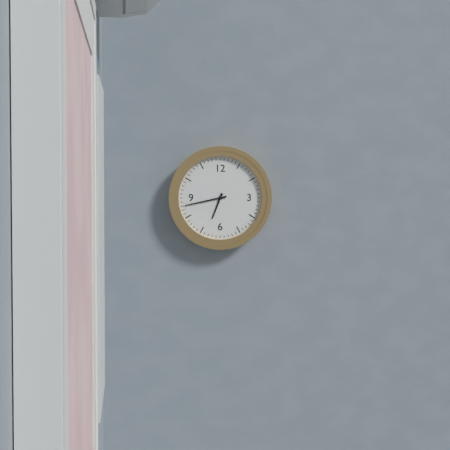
6.43
